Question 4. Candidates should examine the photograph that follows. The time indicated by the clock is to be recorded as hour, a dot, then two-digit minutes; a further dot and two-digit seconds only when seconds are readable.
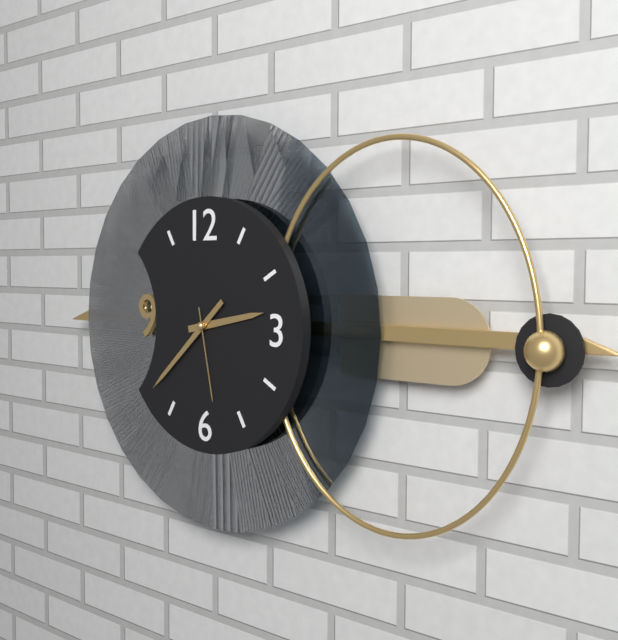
2.38.28
